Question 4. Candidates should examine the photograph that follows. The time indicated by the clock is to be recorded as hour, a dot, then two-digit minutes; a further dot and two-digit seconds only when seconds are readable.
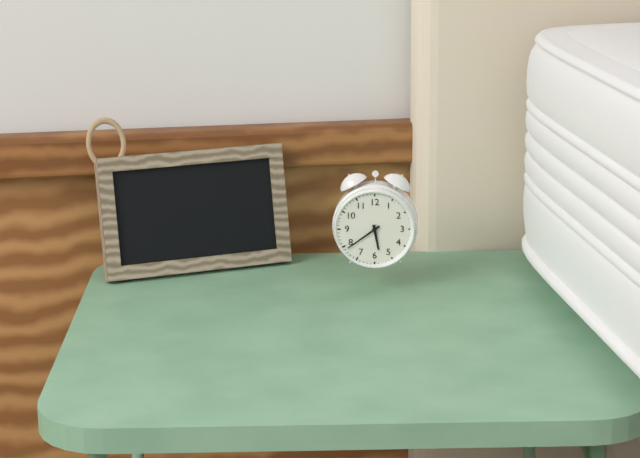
5.39
